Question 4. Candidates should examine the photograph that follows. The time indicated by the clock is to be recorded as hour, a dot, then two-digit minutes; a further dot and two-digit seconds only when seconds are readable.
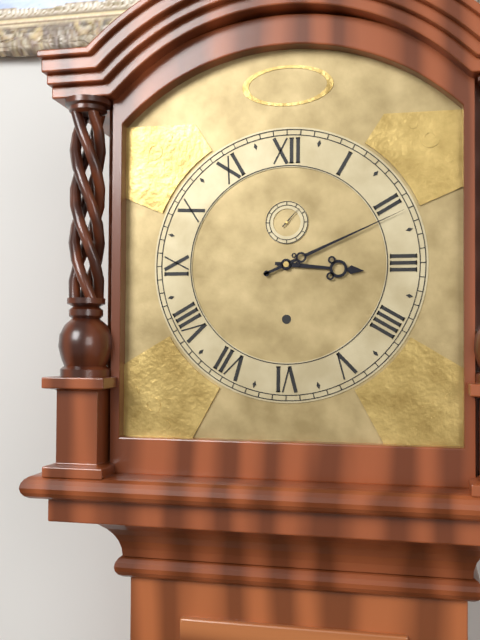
3.11
